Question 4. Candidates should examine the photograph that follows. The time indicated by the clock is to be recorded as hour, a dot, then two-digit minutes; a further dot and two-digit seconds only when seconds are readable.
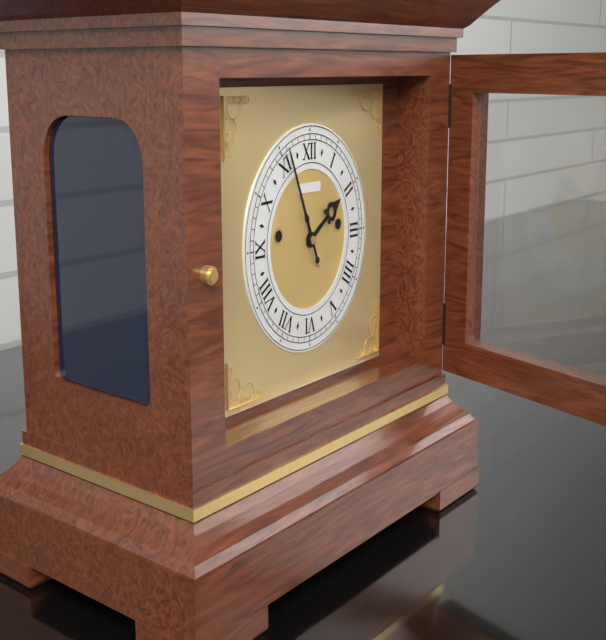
1.56
